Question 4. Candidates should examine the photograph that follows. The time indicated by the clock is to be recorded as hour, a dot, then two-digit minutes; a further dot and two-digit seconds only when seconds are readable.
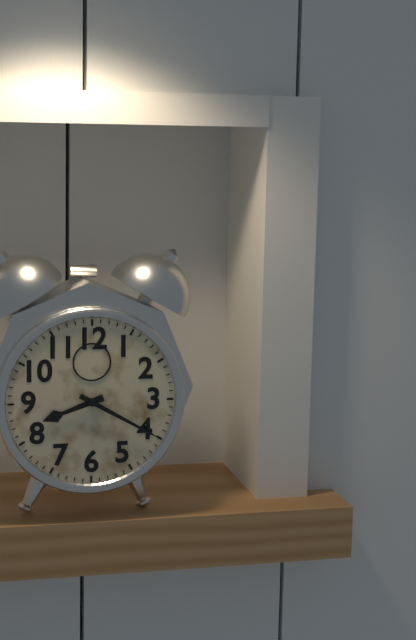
8.20
